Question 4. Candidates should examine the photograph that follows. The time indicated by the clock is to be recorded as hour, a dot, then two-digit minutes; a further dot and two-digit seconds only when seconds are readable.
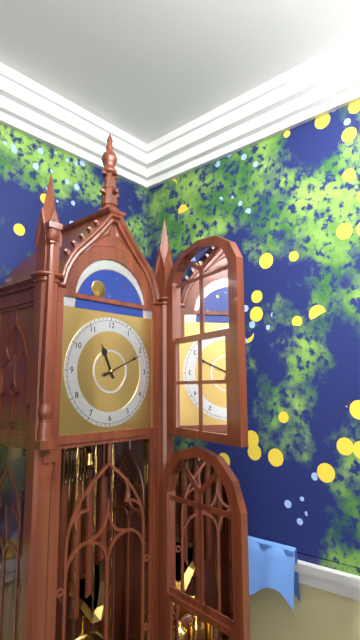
11.11
